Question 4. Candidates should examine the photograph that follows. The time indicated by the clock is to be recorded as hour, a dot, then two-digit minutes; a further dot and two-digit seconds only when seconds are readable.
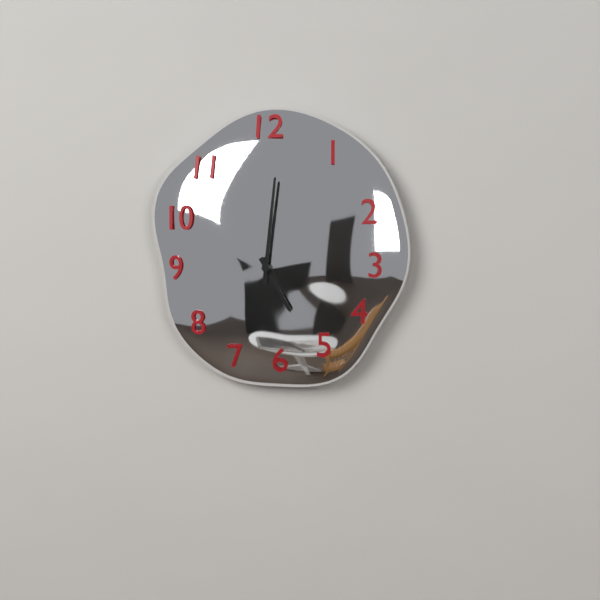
5.01
